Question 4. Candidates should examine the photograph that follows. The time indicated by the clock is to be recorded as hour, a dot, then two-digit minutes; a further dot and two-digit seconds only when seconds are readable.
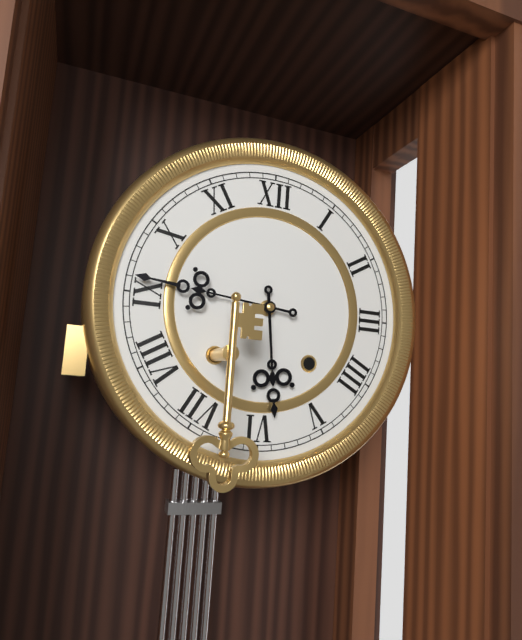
5.46
